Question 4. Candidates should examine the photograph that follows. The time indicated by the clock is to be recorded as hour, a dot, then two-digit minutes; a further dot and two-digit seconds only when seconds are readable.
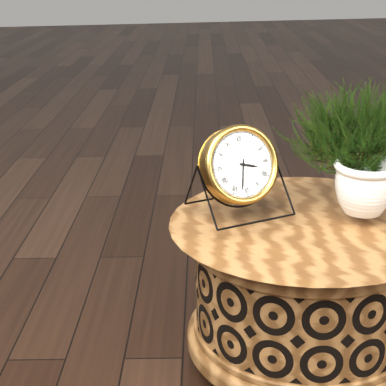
3.32
